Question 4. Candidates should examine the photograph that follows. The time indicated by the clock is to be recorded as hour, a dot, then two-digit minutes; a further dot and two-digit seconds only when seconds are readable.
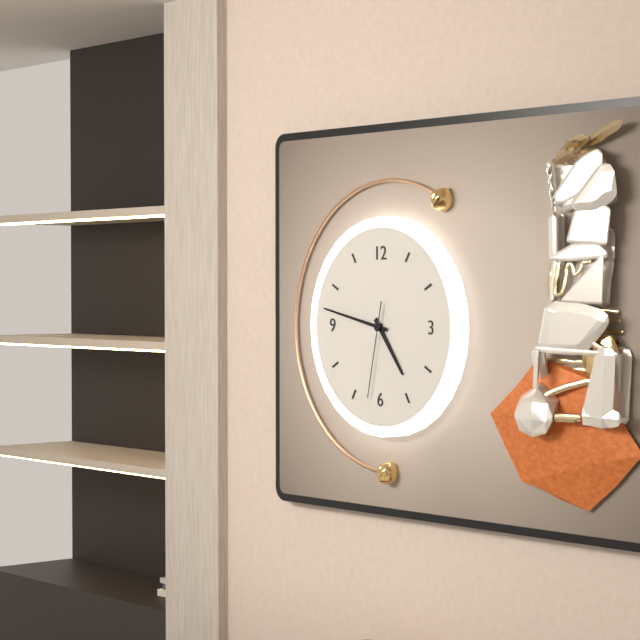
4.47.32
